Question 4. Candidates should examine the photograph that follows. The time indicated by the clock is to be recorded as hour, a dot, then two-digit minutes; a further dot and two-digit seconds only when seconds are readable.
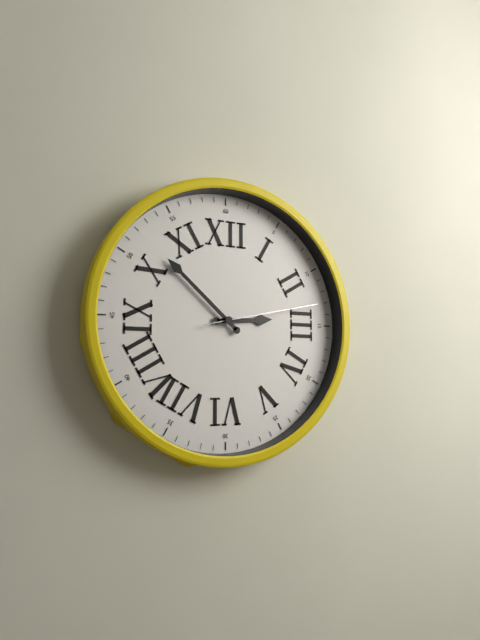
2.52.13
